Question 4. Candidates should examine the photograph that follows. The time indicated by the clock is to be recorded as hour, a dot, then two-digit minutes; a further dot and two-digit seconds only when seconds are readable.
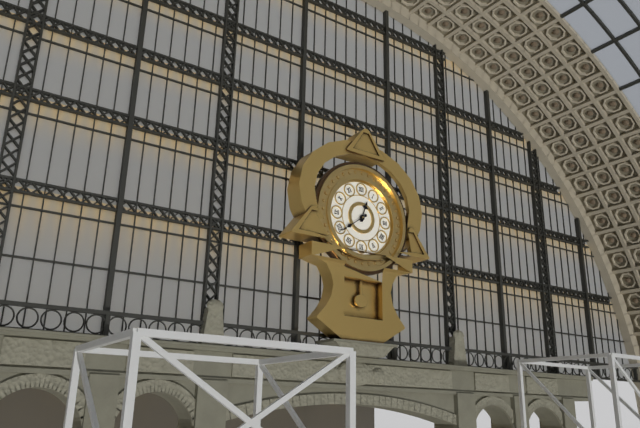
12.39
